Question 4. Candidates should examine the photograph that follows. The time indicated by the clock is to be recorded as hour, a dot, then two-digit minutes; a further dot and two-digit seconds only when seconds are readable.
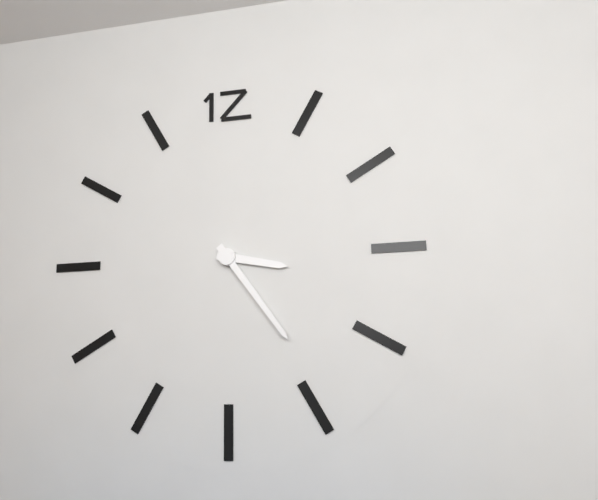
3.24
